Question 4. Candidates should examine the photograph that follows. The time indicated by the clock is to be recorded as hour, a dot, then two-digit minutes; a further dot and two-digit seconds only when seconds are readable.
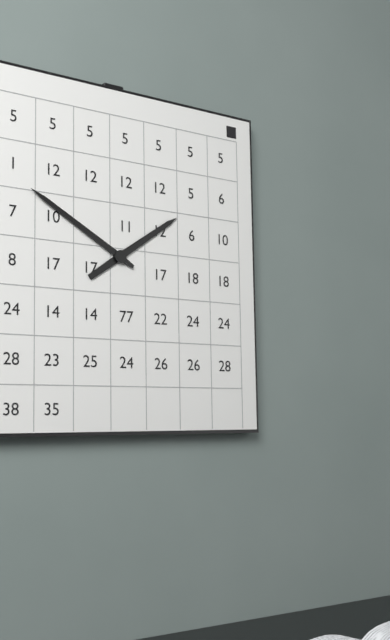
1.50
